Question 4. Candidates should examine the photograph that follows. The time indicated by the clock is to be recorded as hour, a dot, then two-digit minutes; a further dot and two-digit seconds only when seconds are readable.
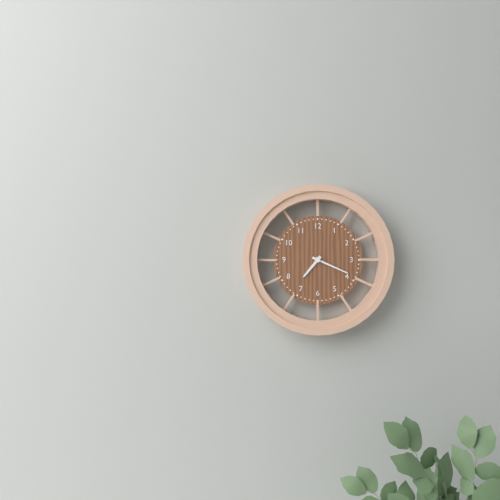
7.19
